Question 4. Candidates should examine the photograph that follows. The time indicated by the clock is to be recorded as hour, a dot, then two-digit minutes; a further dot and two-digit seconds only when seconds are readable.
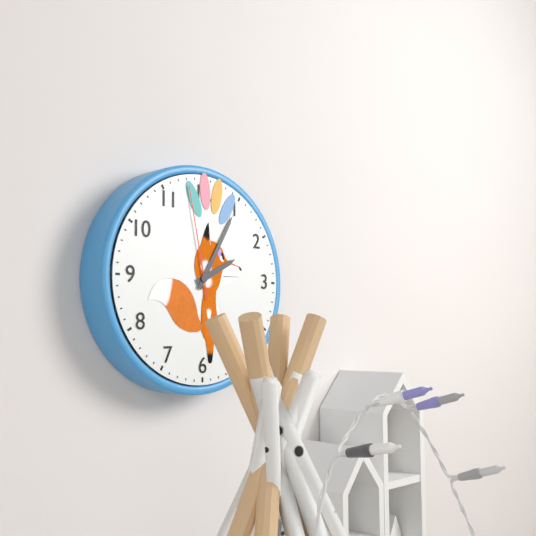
2.05.58
